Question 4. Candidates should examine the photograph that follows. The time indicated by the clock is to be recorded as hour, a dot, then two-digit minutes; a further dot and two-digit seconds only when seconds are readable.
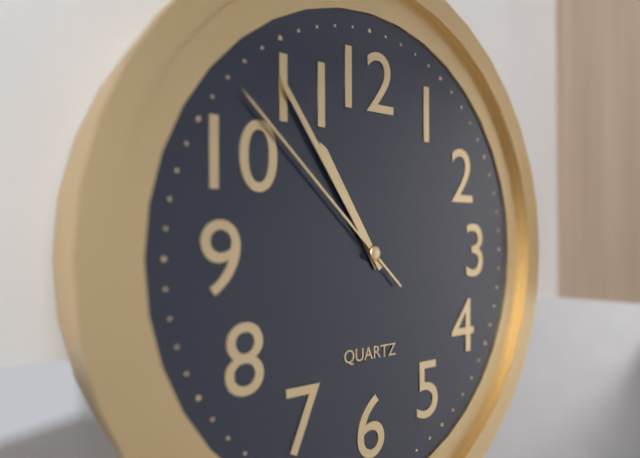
10.54.52
